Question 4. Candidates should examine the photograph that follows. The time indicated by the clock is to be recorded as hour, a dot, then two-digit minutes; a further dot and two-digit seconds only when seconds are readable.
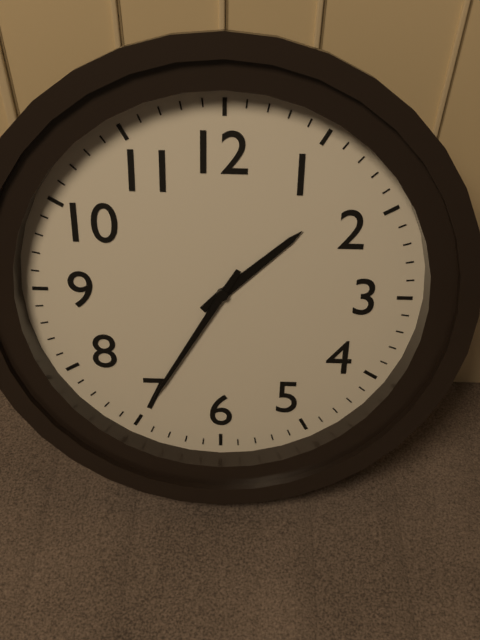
1.35
